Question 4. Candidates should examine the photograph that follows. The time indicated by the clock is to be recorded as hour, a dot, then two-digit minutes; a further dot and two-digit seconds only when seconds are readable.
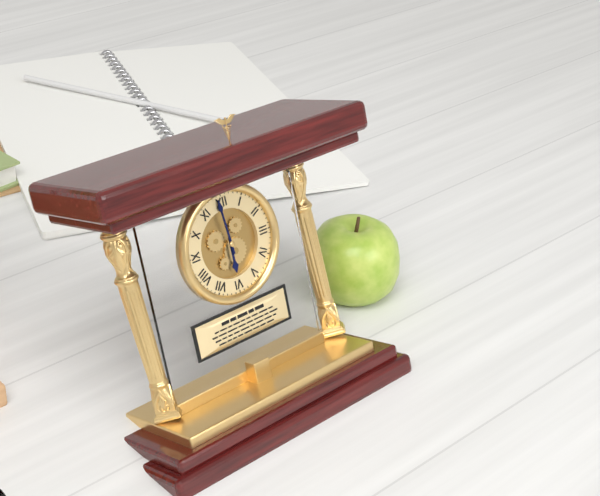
5.59
